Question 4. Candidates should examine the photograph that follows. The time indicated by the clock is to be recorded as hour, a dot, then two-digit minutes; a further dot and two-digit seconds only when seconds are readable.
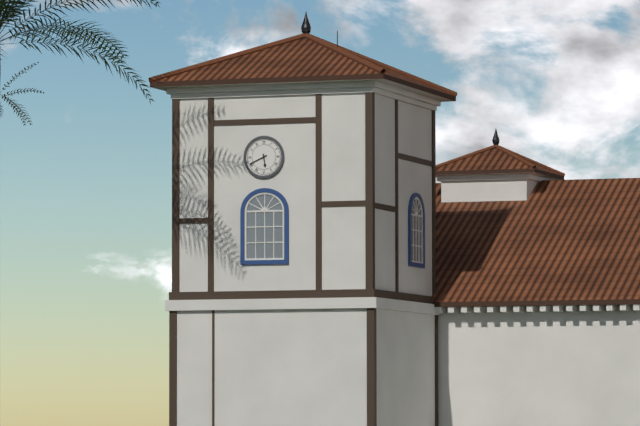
5.41
